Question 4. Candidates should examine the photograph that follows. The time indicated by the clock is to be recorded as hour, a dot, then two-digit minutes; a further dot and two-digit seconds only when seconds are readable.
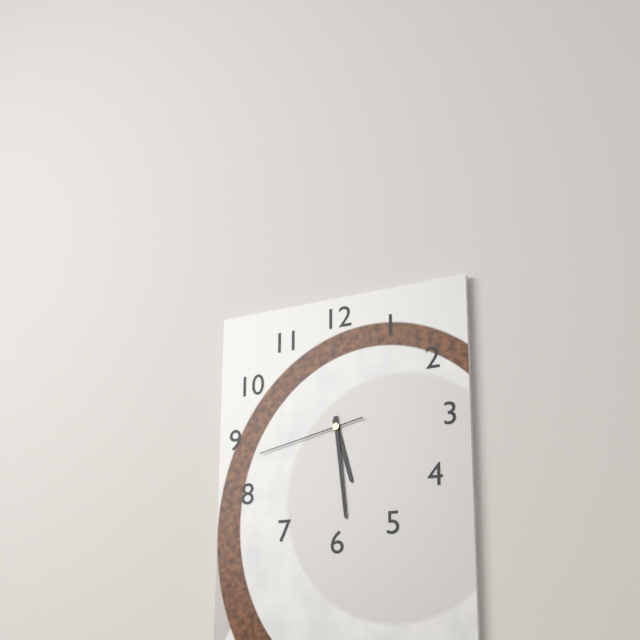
5.29.43
